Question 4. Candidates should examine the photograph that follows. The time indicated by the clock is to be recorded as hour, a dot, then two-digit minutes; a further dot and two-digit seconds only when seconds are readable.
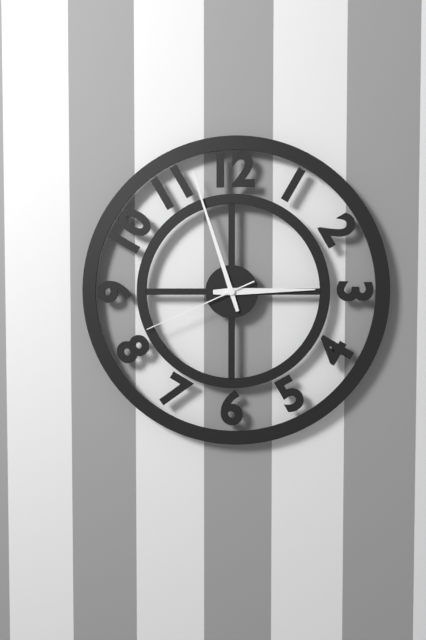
2.57.41
